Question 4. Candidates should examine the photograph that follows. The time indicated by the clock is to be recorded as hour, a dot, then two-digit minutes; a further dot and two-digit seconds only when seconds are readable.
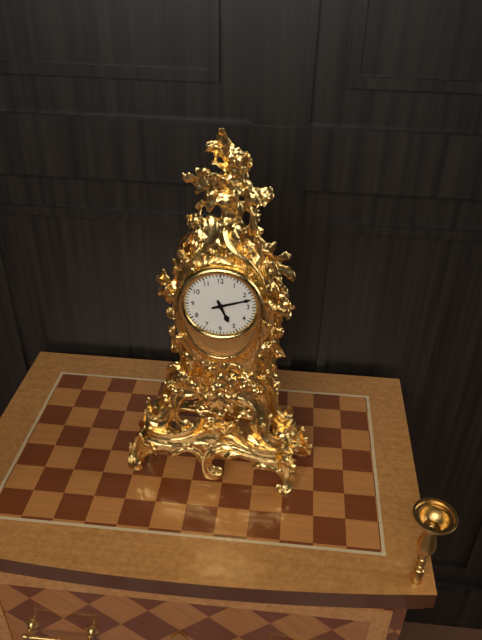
5.12
